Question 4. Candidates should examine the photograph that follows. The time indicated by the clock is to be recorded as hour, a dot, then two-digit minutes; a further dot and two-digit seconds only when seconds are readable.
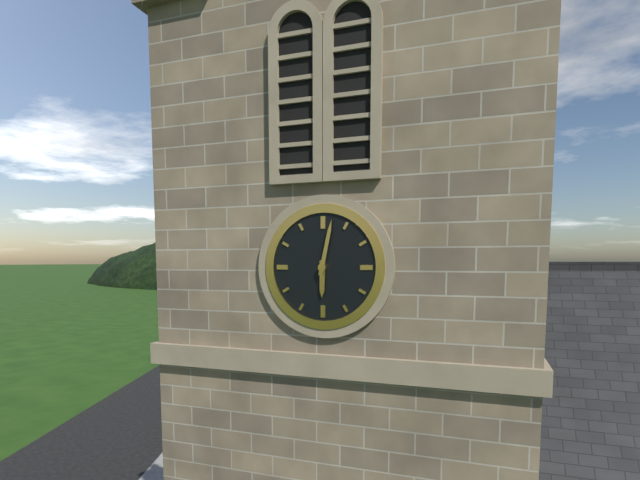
6.02
